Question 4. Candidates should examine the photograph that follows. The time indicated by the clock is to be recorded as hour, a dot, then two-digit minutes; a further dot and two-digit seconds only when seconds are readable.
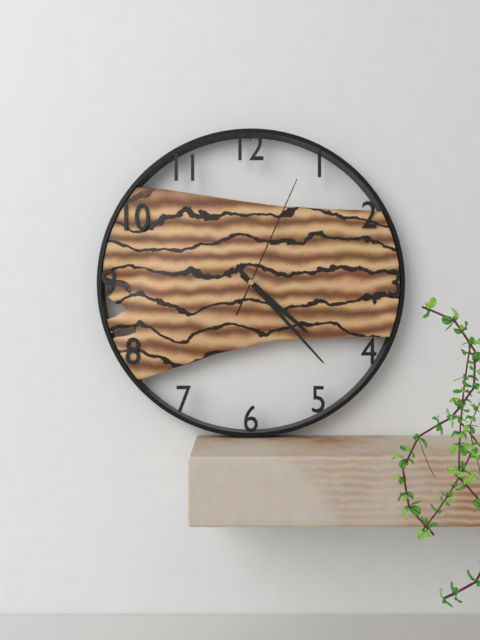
4.23.04
